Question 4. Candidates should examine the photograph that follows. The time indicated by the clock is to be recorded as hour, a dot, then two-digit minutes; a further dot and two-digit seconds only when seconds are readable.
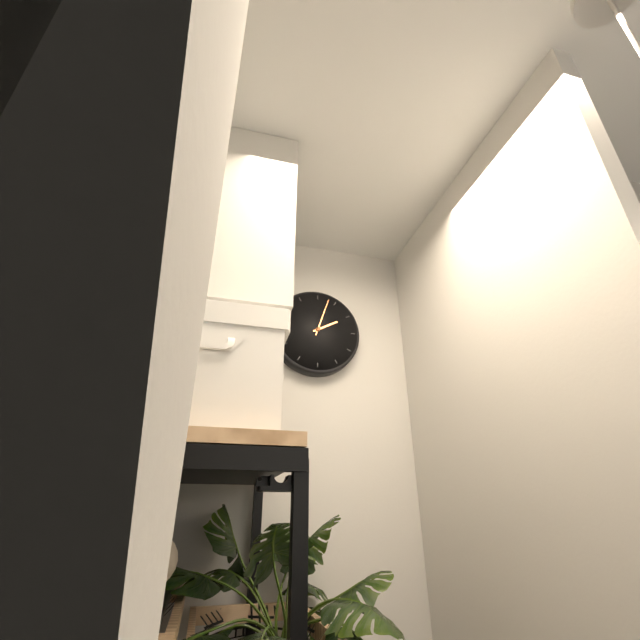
2.03
